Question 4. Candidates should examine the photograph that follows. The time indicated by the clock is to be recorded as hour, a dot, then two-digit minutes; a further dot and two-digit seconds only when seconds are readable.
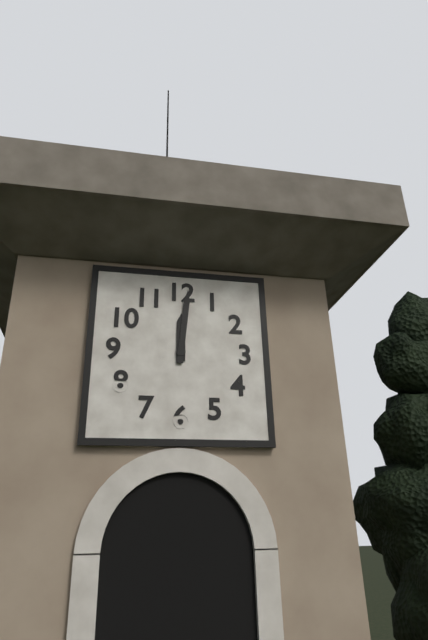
12.01
